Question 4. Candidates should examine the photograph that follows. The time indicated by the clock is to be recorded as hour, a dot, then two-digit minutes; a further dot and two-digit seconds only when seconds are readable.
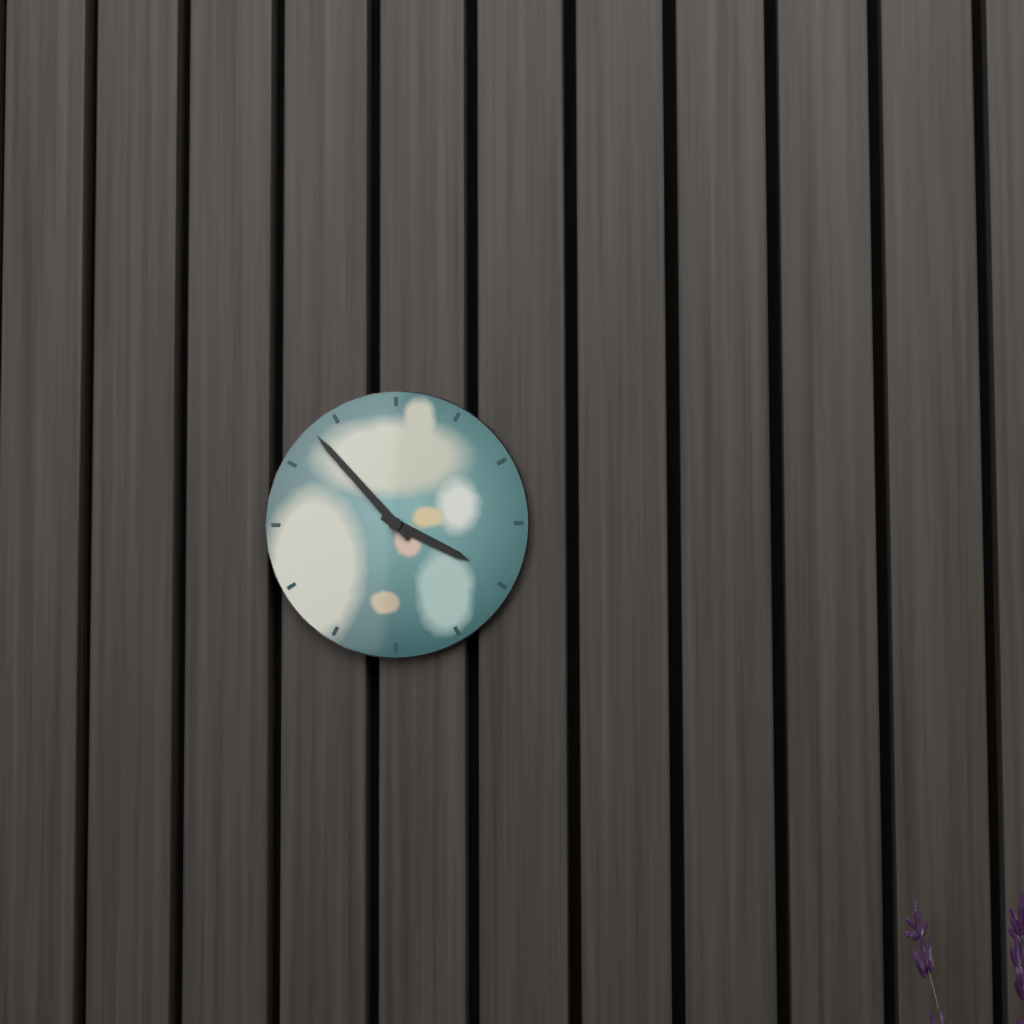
3.53
